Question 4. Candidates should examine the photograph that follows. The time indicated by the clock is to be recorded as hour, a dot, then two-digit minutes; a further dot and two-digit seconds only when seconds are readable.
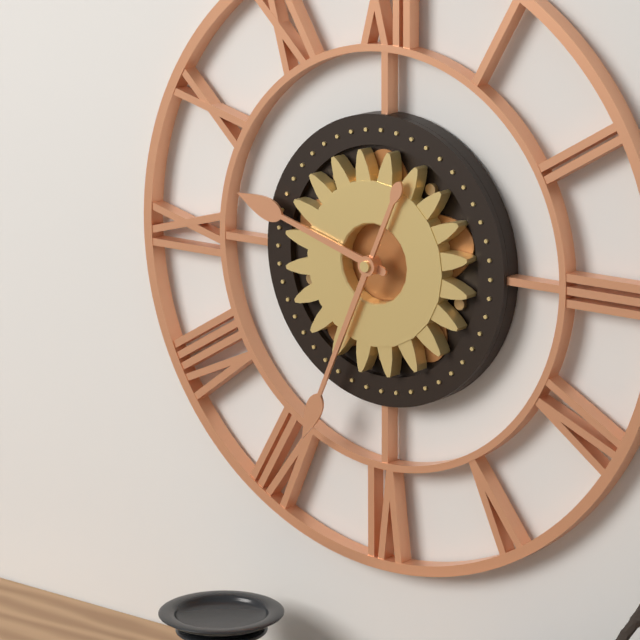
9.34
